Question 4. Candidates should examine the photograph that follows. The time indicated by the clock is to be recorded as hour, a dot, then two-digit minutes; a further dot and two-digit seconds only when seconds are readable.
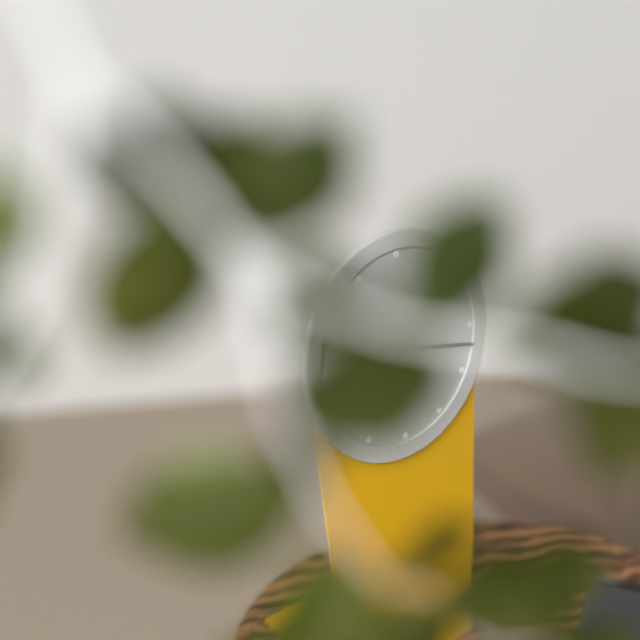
8.17
